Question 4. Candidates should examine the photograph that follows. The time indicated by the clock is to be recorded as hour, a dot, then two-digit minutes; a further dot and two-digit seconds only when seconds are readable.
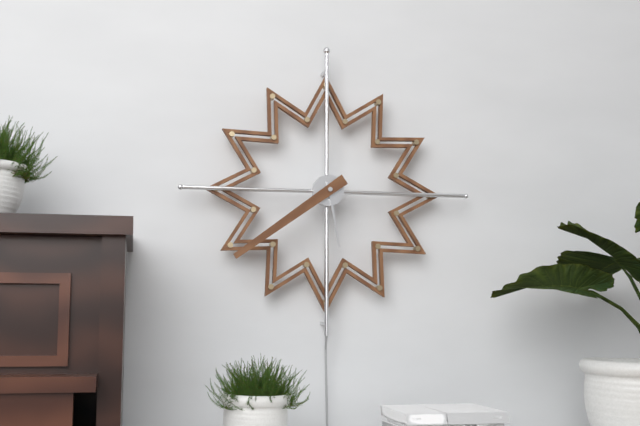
5.39
